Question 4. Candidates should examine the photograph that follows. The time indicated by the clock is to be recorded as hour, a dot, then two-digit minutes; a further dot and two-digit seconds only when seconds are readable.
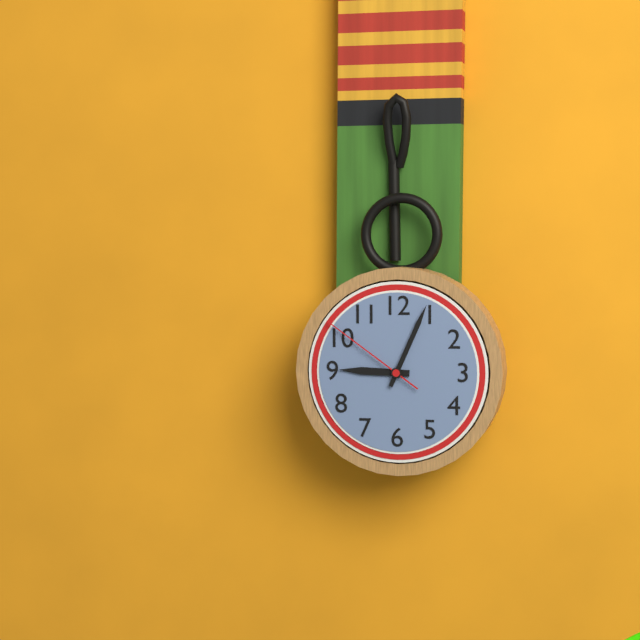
9.04.51
